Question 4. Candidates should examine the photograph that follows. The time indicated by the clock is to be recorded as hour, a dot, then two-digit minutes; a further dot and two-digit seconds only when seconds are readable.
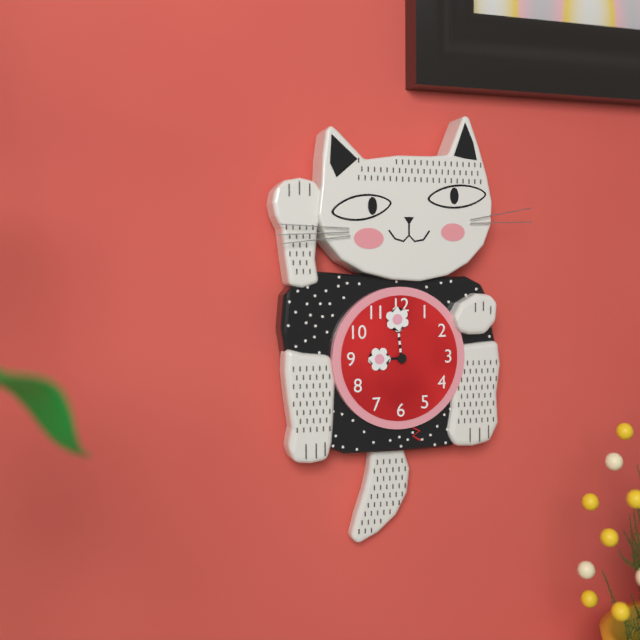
8.59
